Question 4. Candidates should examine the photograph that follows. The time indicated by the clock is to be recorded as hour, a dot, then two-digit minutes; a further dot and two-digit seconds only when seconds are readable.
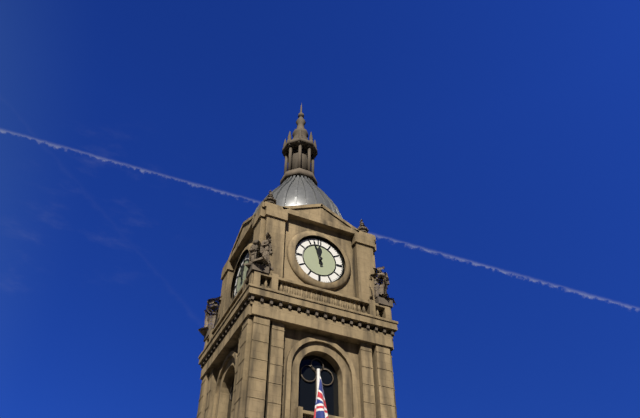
11.57
